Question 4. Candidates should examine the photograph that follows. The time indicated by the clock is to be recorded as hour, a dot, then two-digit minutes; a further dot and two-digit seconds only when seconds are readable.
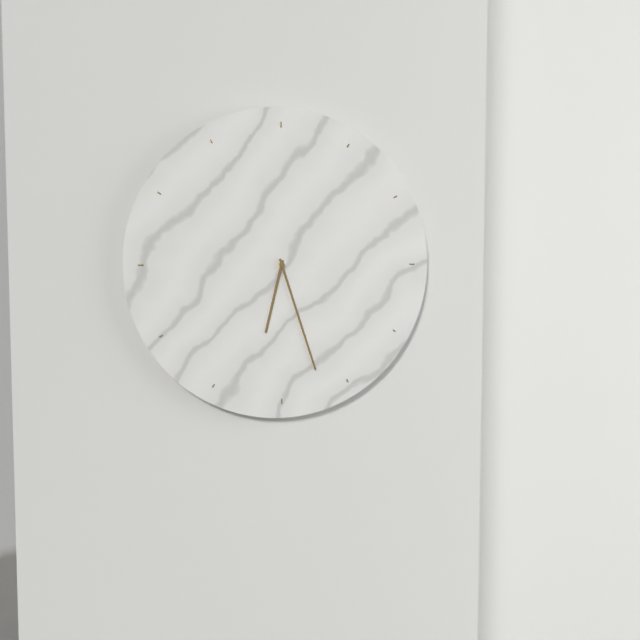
6.27
